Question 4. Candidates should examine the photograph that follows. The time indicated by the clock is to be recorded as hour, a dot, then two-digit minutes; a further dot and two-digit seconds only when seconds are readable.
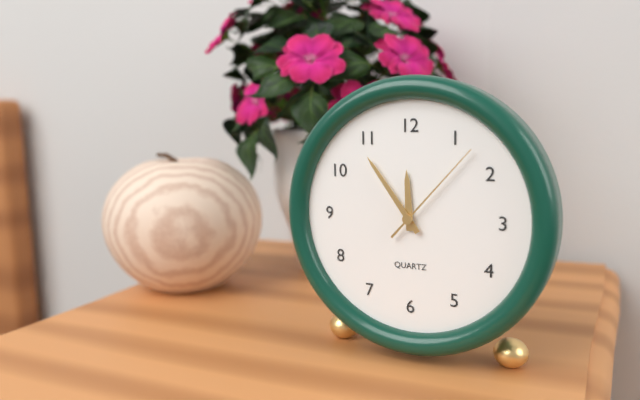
11.54.07
